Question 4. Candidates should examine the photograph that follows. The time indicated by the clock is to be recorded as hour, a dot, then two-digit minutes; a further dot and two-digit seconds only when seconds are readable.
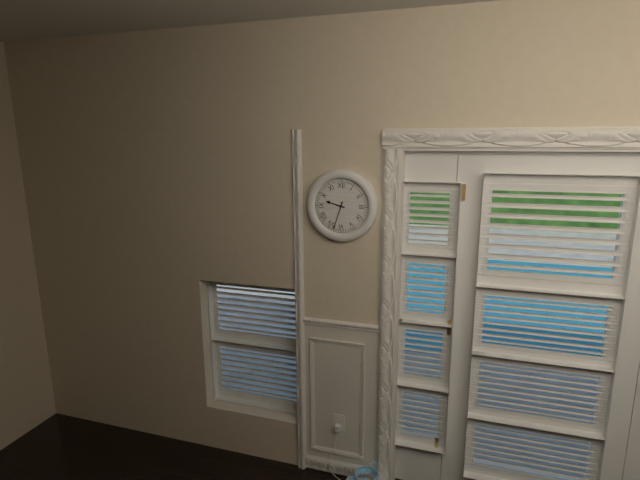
9.33
